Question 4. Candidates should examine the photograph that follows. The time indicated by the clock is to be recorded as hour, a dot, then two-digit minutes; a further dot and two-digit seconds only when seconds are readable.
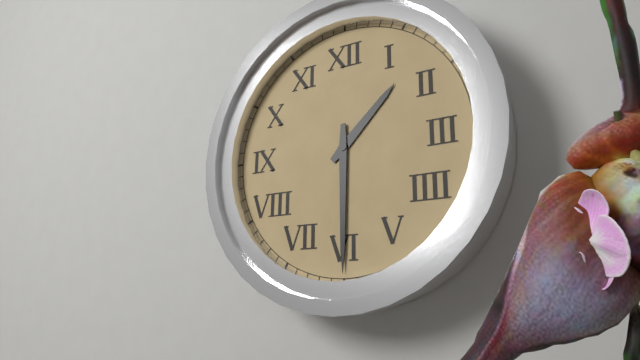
1.30
